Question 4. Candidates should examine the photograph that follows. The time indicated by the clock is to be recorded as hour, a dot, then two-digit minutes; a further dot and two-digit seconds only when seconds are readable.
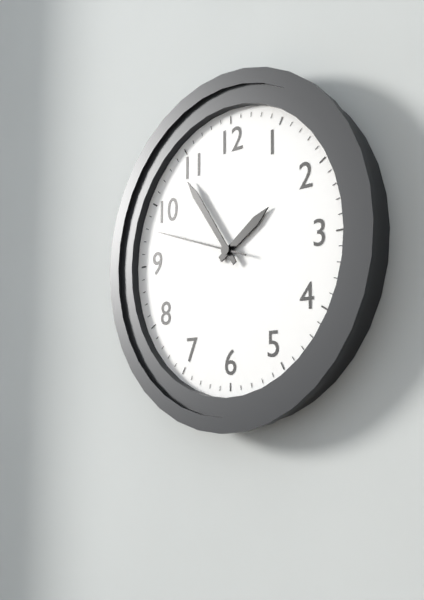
1.54.48
